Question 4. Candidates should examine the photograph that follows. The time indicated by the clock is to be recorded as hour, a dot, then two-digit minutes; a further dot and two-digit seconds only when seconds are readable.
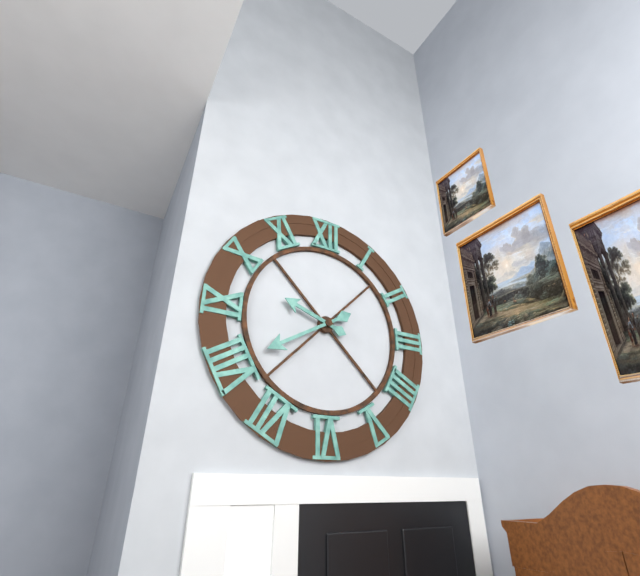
9.40
